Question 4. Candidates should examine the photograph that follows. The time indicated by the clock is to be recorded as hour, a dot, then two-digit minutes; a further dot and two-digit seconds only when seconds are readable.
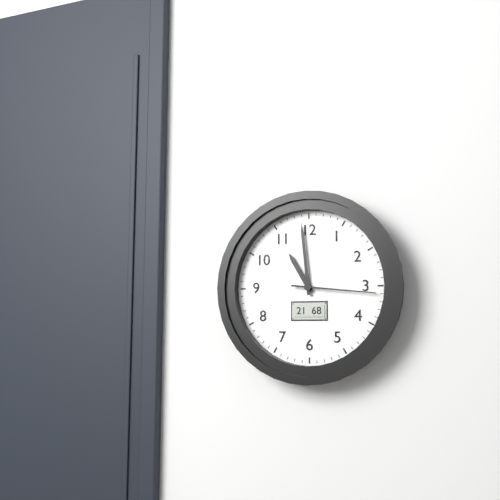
10.59.16
